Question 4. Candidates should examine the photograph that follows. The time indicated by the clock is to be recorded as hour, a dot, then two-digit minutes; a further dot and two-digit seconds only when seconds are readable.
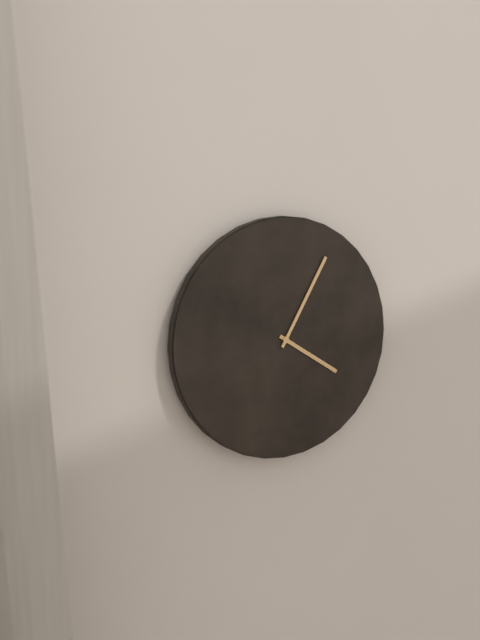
4.05
